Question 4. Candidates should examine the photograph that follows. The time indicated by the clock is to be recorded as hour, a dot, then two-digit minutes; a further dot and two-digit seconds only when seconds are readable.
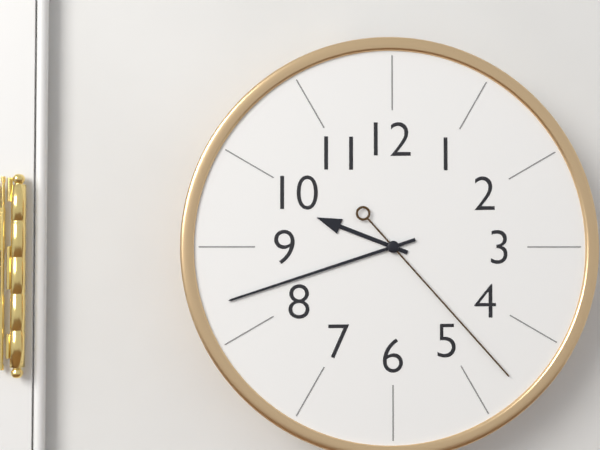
9.42.23
